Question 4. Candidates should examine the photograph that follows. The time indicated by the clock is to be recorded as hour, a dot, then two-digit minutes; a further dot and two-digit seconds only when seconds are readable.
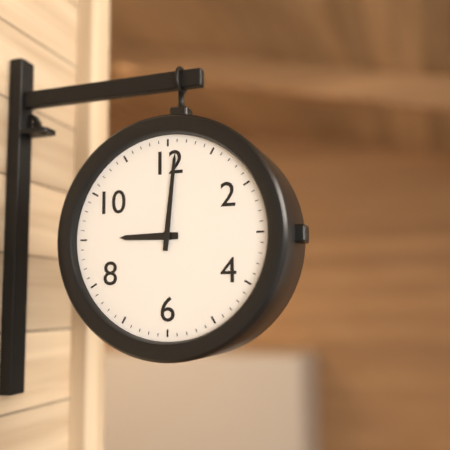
9.01
